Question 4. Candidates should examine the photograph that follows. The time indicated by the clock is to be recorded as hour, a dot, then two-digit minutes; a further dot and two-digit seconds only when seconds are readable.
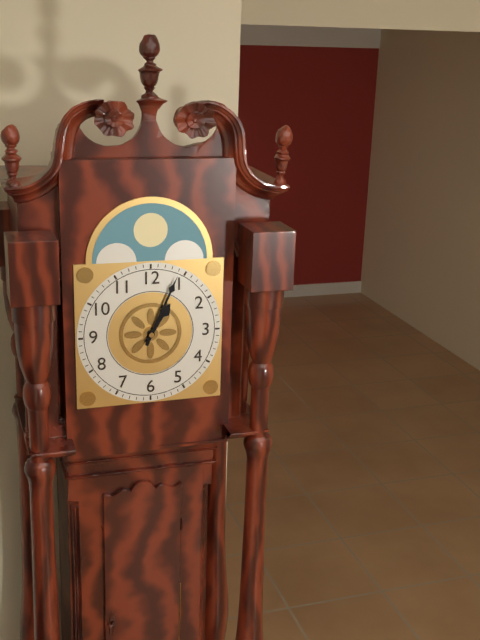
1.04
